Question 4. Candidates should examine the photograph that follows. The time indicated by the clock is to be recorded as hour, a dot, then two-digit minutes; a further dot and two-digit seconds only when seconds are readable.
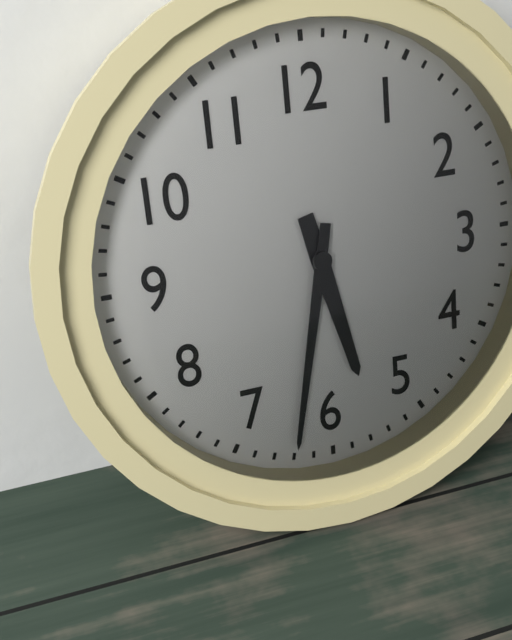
5.32
